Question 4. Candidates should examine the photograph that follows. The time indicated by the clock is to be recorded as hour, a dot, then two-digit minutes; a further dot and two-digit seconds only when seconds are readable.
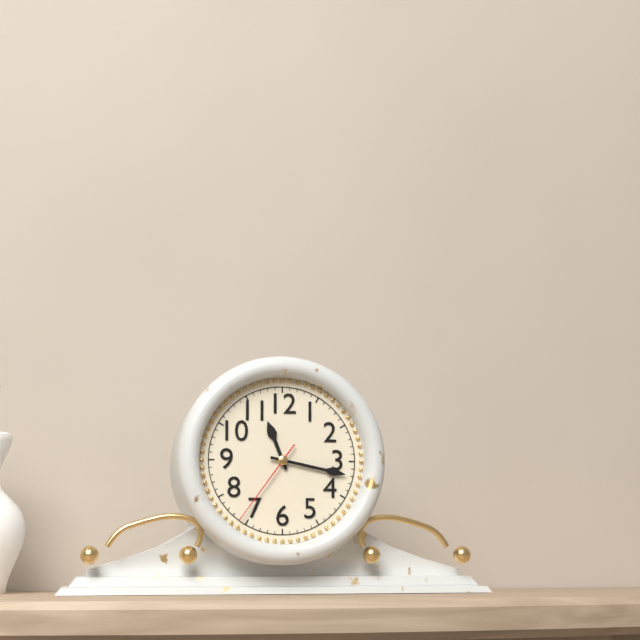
11.17.36
